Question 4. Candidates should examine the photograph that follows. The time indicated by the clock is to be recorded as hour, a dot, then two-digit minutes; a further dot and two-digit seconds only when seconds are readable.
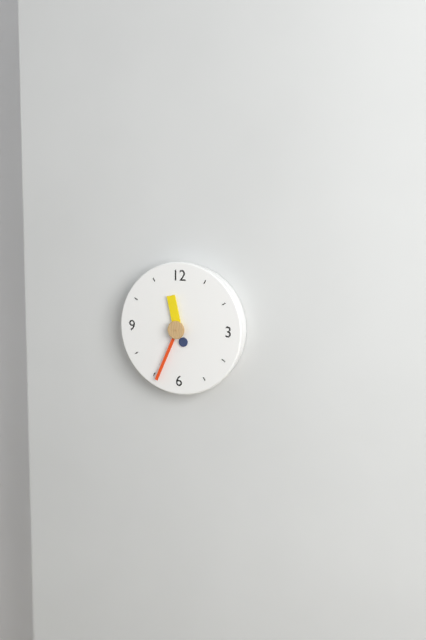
11.34
